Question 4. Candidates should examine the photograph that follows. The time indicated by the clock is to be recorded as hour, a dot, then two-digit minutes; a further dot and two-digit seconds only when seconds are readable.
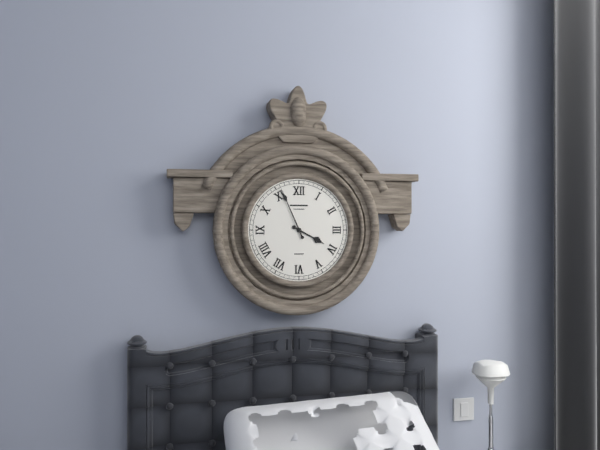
3.56
